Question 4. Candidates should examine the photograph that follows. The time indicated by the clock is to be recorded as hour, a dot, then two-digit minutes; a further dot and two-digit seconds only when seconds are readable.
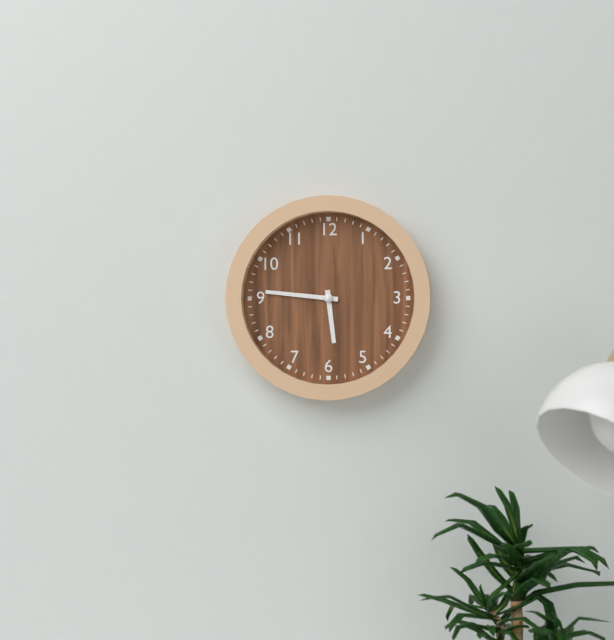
5.46
